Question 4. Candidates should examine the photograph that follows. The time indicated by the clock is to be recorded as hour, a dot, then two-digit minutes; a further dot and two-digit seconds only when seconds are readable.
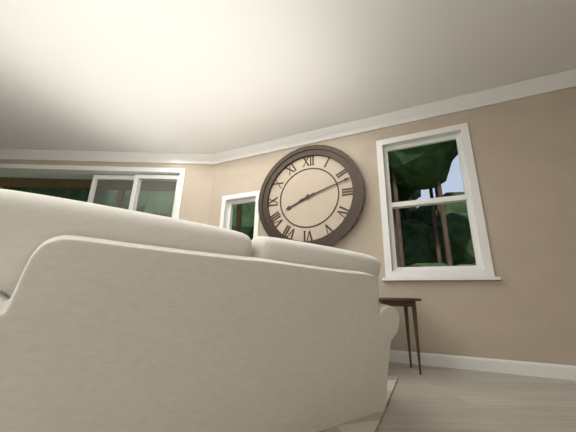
8.12
